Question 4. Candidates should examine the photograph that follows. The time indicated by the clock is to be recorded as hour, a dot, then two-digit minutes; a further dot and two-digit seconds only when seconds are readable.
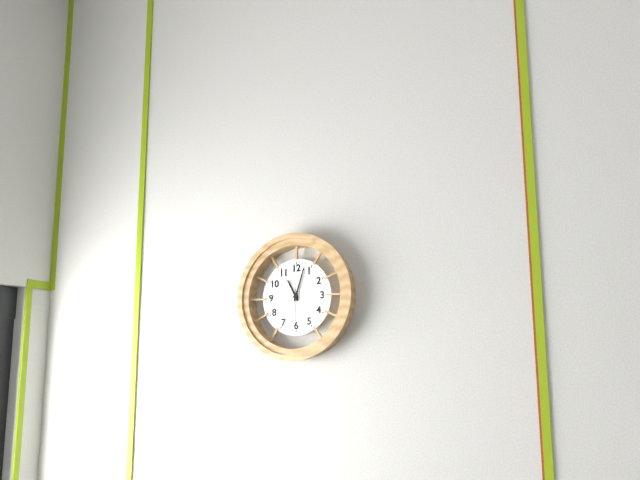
11.03
